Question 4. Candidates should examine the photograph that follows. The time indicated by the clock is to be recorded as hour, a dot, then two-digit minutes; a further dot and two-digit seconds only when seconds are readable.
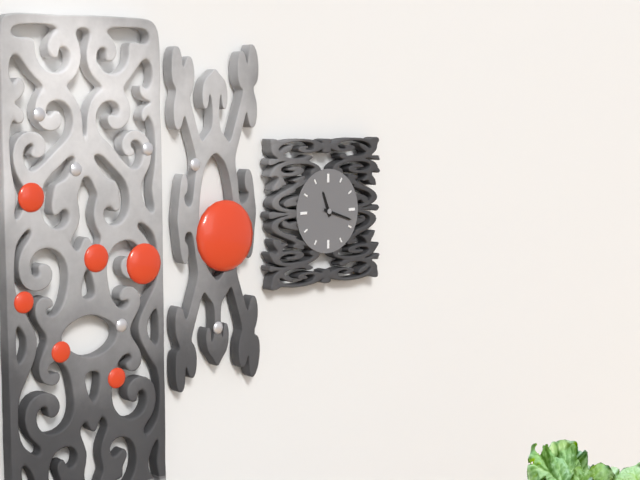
11.18
